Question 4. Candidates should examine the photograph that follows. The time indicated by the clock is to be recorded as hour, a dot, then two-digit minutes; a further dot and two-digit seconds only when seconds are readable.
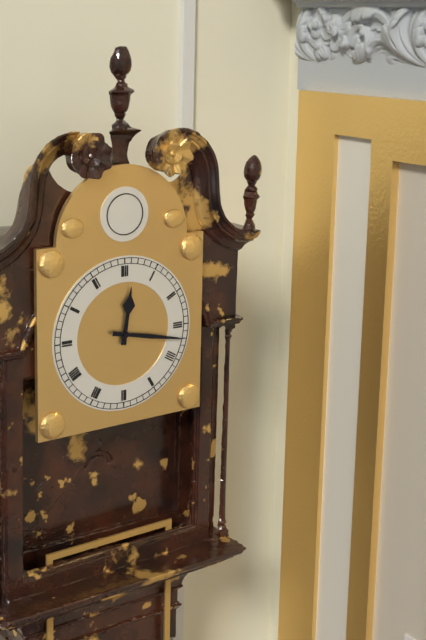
12.17
